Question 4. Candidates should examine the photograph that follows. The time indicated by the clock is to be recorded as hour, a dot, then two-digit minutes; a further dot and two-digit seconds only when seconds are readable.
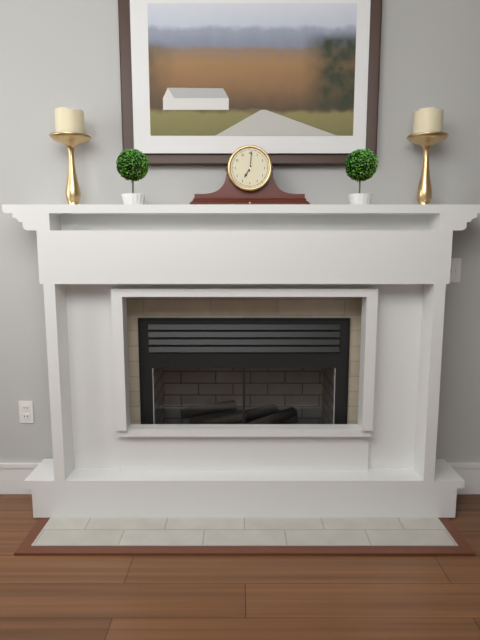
7.01
